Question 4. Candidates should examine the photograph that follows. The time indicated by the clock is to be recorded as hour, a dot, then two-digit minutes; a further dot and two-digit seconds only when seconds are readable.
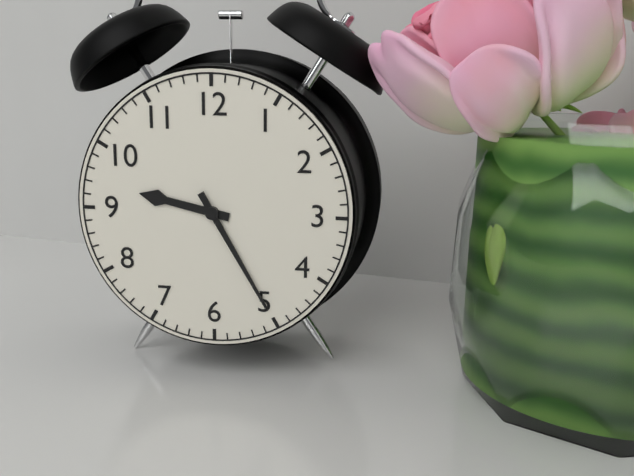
9.25
